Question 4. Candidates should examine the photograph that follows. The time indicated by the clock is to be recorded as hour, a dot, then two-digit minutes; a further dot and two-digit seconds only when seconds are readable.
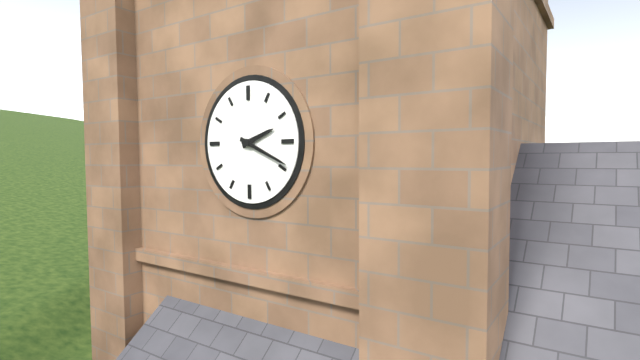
2.19
